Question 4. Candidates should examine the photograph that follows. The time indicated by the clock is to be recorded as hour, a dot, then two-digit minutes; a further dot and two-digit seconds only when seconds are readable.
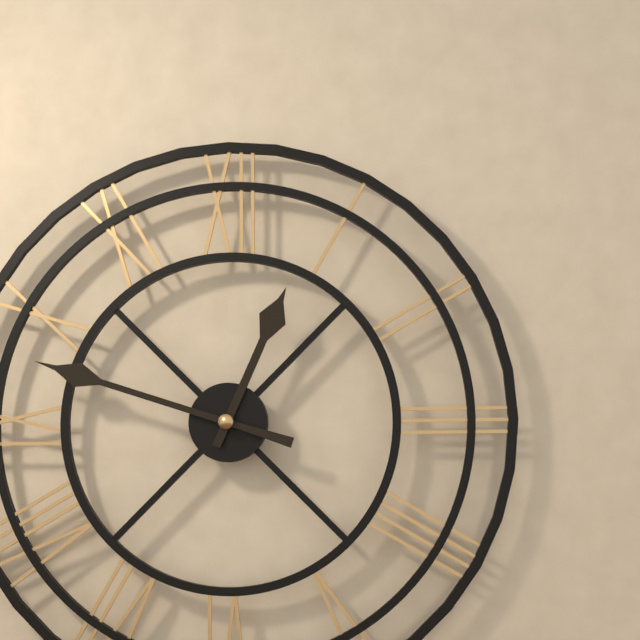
12.48
